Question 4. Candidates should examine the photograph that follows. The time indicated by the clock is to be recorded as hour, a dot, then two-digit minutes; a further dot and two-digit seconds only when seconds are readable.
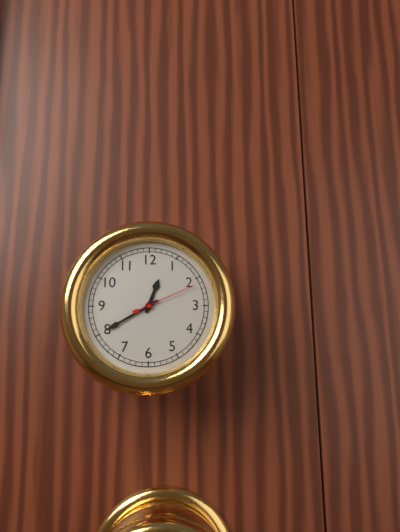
12.40.11
